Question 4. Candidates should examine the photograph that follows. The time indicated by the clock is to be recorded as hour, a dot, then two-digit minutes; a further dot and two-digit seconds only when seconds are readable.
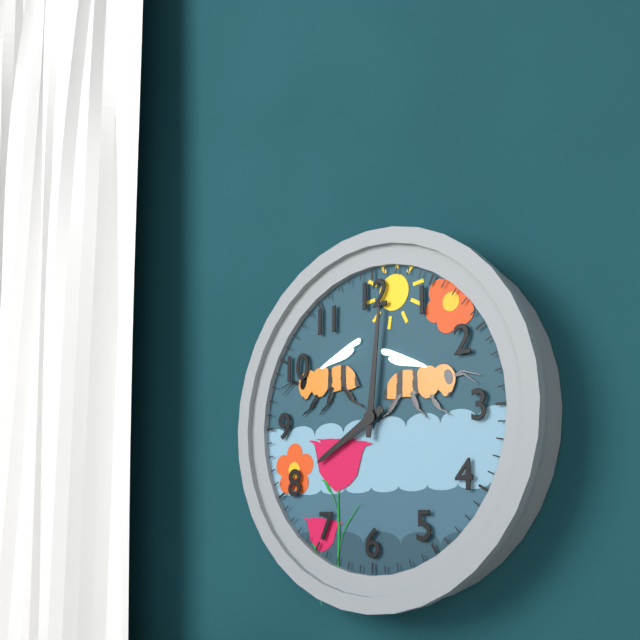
8.01
